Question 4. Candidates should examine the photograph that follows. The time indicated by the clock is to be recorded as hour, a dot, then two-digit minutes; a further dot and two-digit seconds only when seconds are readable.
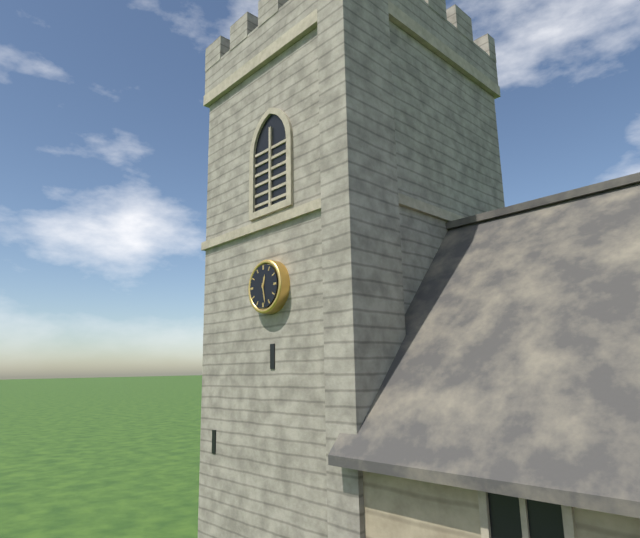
12.28
